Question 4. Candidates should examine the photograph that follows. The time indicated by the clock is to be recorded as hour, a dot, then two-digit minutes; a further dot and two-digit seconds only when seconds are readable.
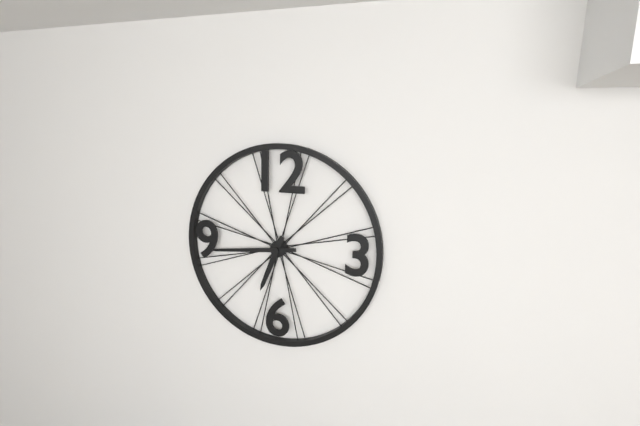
6.44
